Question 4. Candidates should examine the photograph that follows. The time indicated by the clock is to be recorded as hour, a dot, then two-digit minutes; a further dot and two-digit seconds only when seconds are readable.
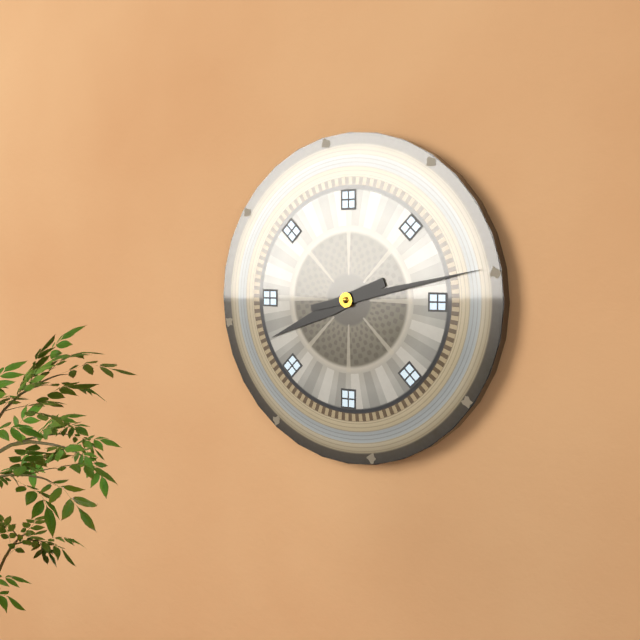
8.13
